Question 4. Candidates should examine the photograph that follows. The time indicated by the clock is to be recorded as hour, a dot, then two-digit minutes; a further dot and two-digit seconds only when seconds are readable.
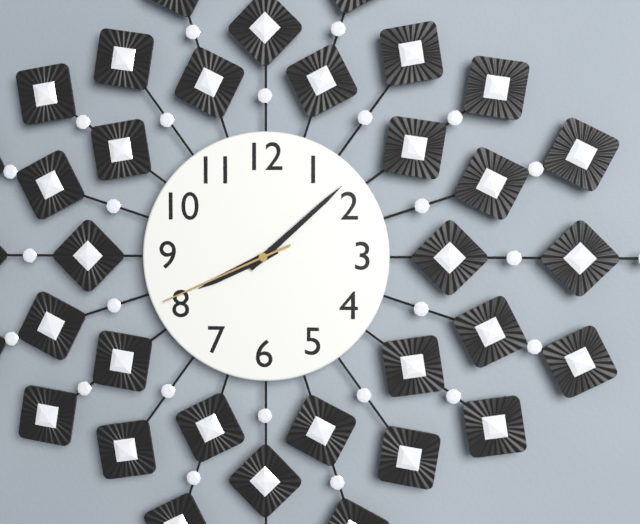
8.08.41
